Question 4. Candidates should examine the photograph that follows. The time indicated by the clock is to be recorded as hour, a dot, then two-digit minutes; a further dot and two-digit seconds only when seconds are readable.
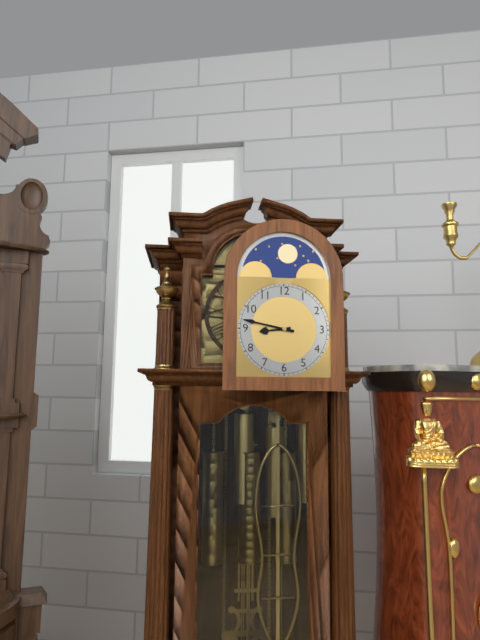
8.47
